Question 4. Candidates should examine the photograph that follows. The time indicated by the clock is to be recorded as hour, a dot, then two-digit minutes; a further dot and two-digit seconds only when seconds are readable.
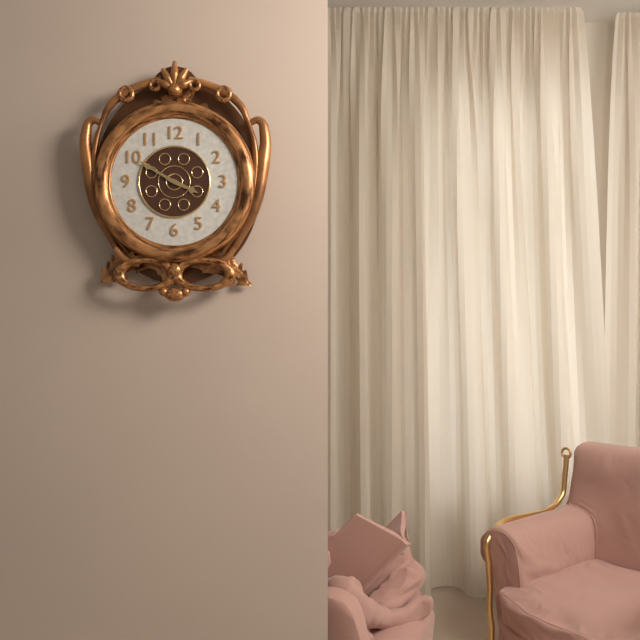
3.50
